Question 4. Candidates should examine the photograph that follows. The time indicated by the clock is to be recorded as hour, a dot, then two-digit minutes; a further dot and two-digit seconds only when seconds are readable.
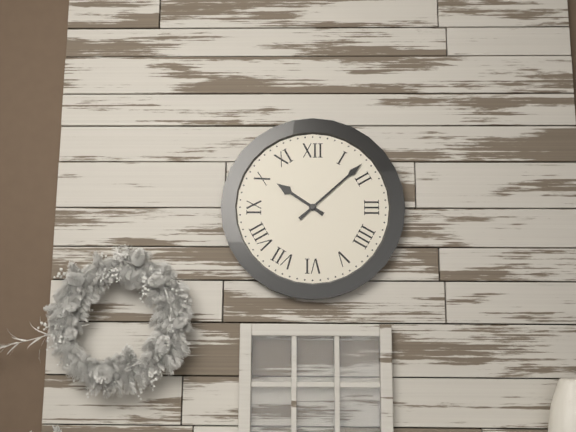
10.08
